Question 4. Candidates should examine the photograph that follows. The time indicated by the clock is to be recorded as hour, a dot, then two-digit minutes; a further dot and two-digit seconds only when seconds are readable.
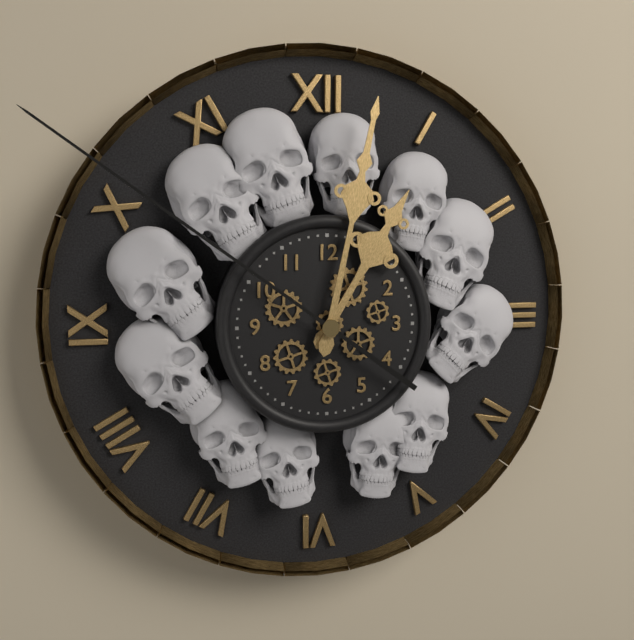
1.02.51
